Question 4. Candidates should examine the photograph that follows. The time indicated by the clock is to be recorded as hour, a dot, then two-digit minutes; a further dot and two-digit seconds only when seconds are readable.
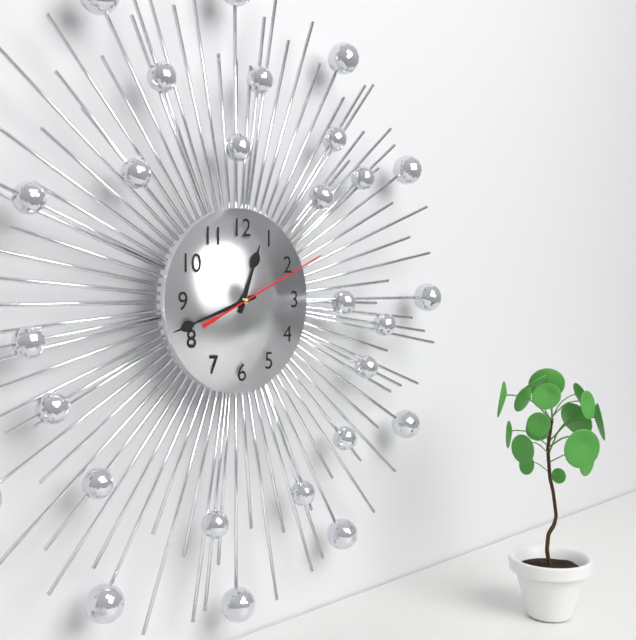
12.42.11
